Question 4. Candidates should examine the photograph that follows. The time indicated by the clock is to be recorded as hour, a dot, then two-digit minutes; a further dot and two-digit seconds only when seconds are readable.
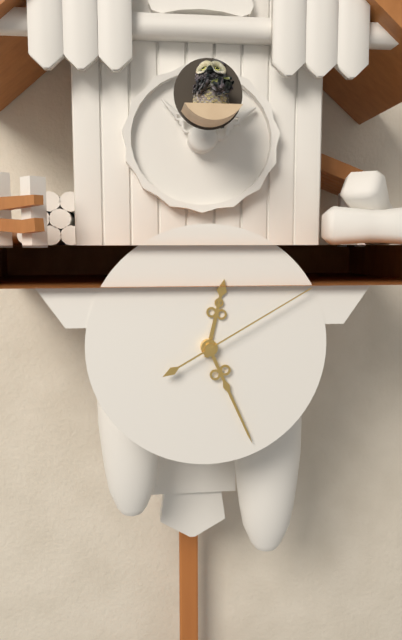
12.26.10
